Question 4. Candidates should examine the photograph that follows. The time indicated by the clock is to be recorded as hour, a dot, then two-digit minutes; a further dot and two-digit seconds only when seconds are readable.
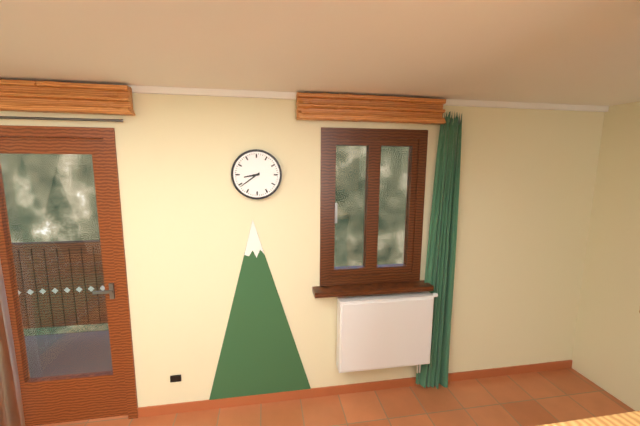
8.39
